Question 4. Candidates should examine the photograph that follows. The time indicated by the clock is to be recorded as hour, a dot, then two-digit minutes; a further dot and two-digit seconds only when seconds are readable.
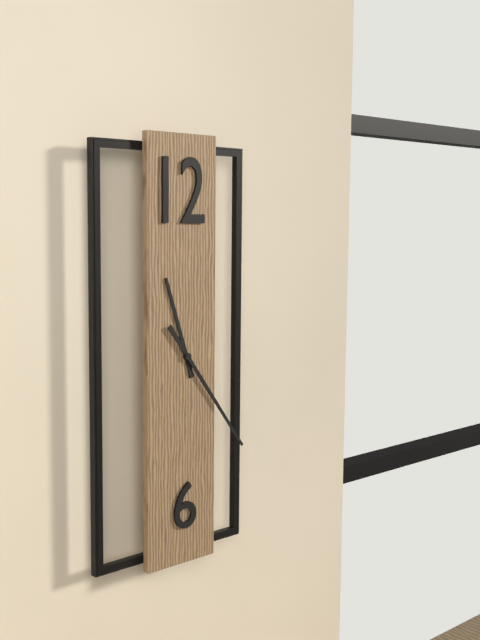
11.24
